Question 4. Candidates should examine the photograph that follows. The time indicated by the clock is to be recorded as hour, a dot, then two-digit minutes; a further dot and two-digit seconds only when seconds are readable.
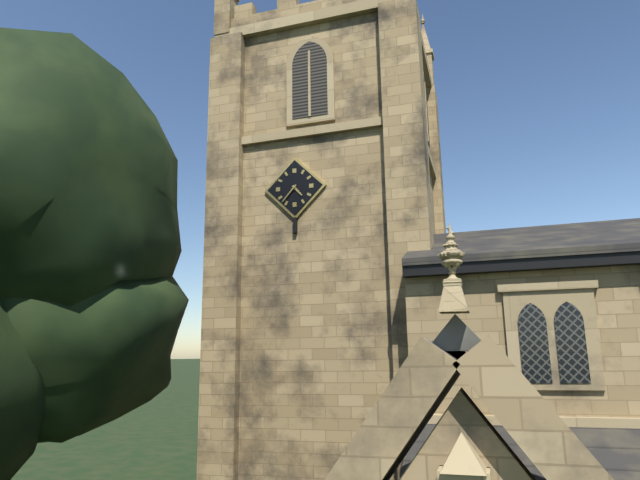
4.37
